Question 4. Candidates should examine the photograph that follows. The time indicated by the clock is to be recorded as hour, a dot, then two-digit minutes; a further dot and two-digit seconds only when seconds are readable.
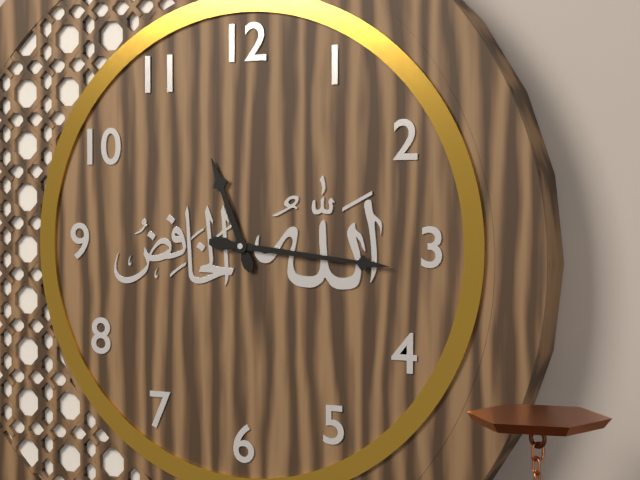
11.16
